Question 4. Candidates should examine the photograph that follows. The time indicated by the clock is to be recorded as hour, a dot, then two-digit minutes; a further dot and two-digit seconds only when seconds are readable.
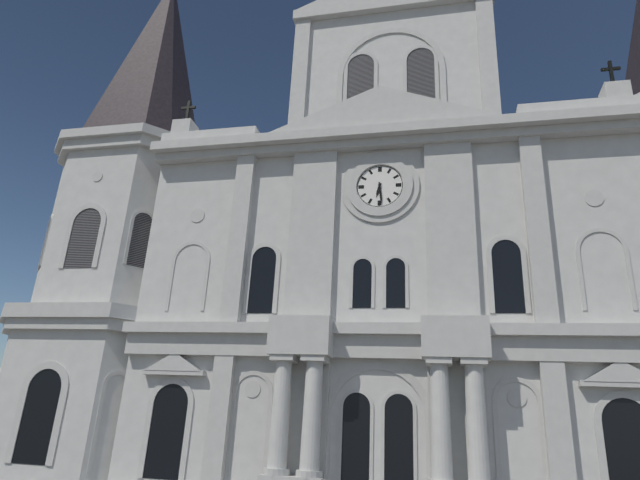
6.29
